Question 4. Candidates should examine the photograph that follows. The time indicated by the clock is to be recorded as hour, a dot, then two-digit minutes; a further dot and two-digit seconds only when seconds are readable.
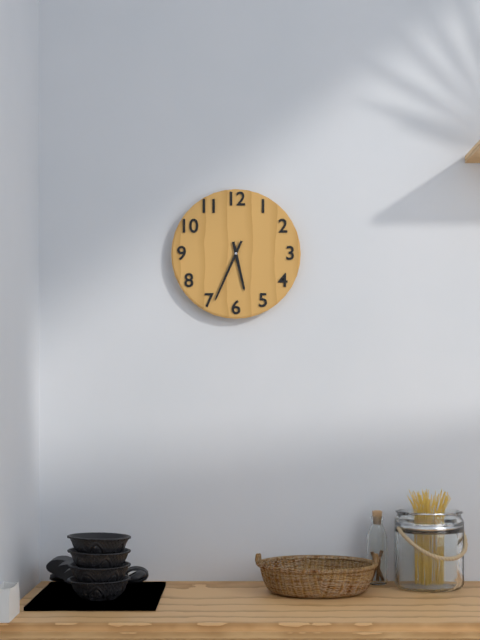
5.34
